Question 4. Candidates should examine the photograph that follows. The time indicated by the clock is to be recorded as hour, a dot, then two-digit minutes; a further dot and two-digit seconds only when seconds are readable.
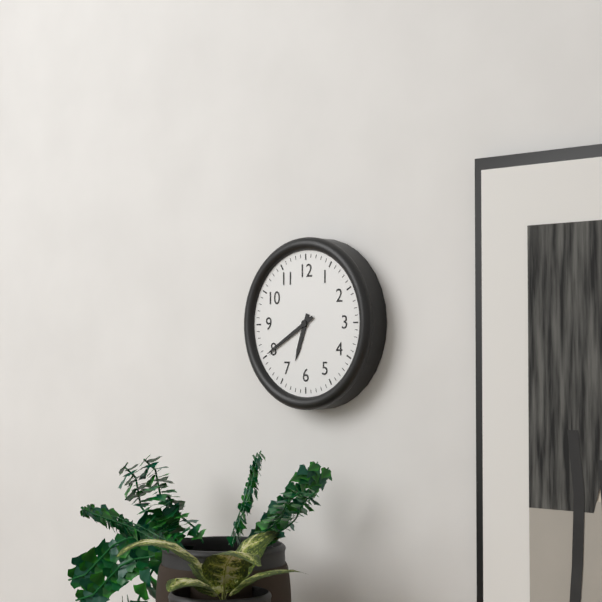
6.40
